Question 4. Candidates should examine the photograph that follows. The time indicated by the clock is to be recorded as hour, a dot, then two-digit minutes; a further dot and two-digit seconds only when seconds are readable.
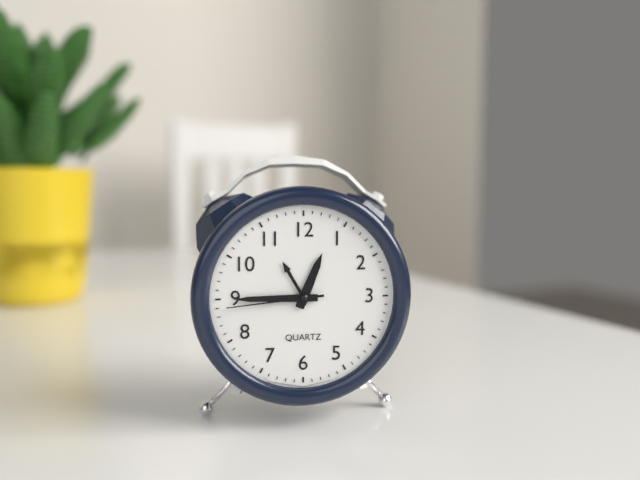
12.45.44
